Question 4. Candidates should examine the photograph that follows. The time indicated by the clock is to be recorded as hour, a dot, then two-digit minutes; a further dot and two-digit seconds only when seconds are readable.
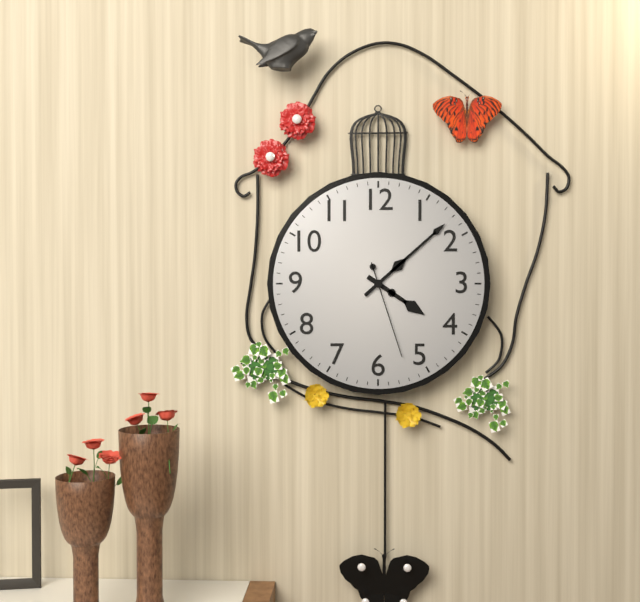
4.08.27
